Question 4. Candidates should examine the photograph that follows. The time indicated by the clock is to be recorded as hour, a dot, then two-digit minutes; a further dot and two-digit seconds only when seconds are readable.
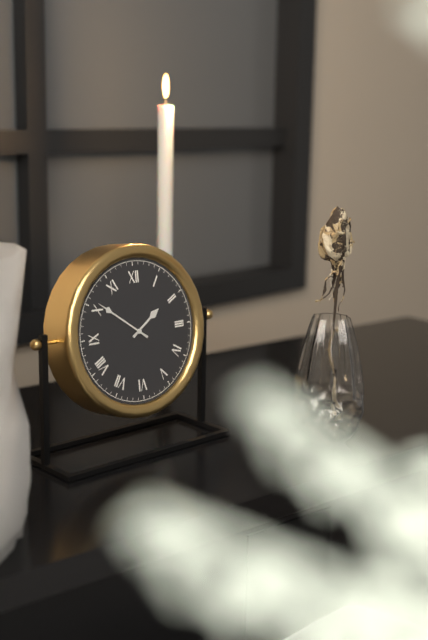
1.51
